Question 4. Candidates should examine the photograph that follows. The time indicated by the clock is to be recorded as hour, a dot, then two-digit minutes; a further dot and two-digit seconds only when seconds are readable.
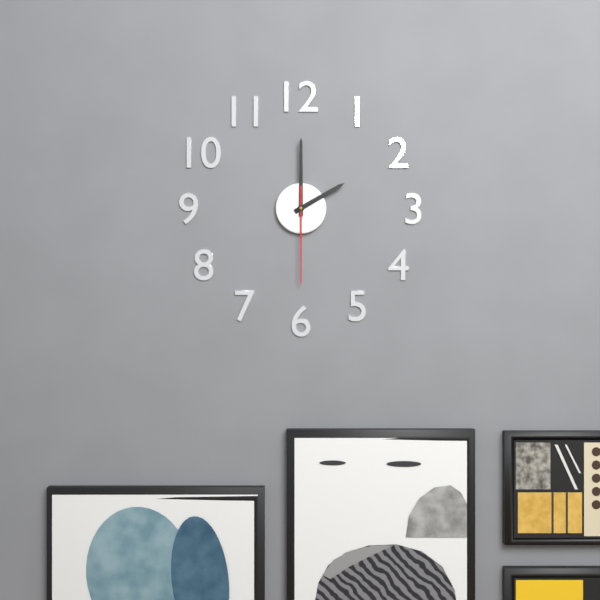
2.00.30
